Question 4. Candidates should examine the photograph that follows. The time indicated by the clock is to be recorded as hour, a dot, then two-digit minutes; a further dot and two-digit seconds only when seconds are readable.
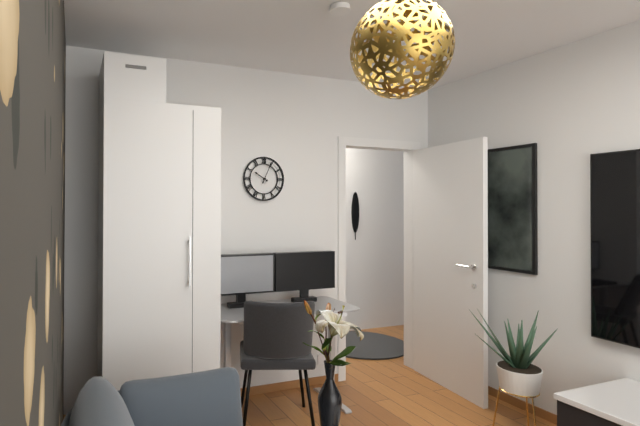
10.04
